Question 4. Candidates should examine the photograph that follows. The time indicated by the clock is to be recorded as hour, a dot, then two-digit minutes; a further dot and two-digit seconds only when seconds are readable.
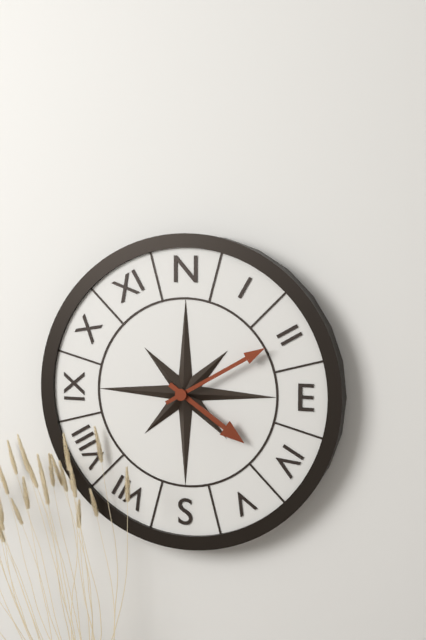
4.10
